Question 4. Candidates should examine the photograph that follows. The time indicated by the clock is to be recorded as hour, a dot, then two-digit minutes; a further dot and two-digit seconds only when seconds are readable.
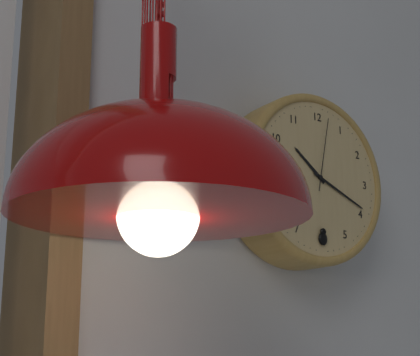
10.19.02
